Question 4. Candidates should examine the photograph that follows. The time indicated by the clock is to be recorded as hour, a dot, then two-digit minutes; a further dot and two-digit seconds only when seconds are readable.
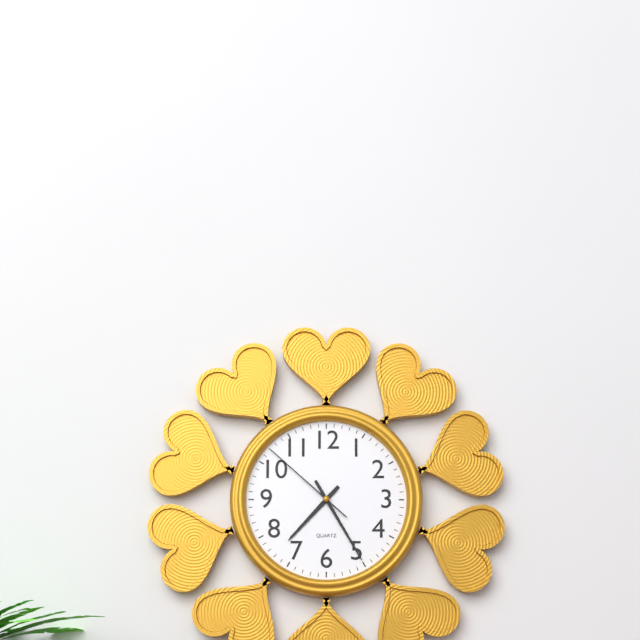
7.25.52
